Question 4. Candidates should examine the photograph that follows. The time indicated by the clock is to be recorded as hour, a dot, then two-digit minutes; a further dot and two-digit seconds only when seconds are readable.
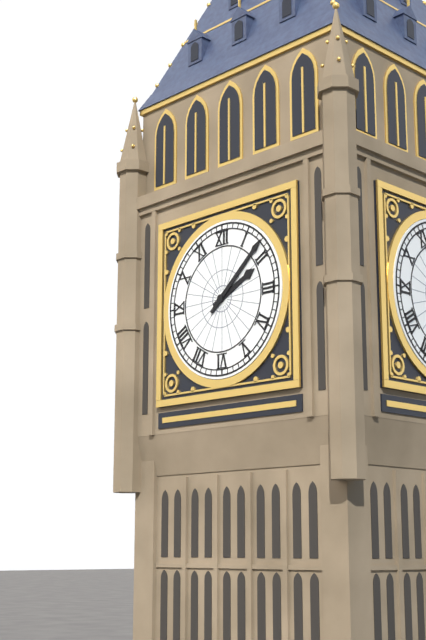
2.08
